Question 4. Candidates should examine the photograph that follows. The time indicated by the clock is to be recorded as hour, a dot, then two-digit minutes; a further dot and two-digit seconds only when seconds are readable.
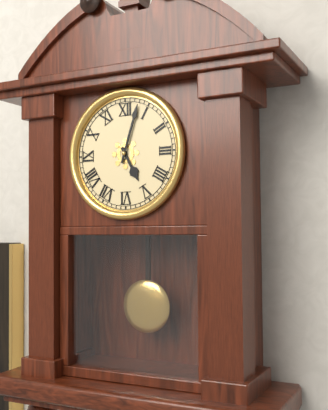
5.03
